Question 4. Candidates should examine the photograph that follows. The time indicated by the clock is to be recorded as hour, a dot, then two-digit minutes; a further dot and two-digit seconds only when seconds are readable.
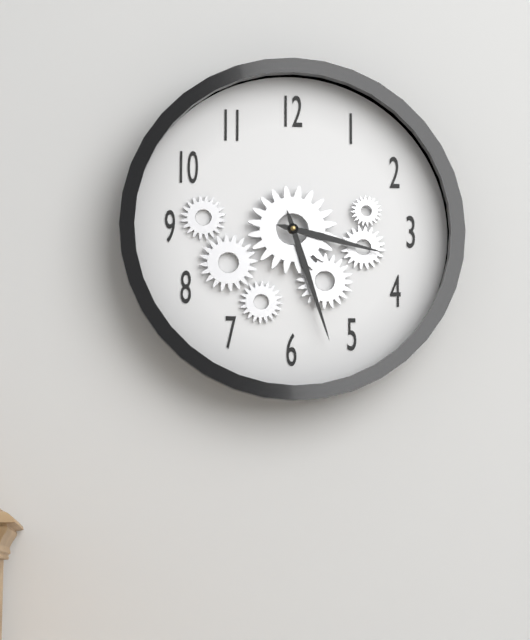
3.27
